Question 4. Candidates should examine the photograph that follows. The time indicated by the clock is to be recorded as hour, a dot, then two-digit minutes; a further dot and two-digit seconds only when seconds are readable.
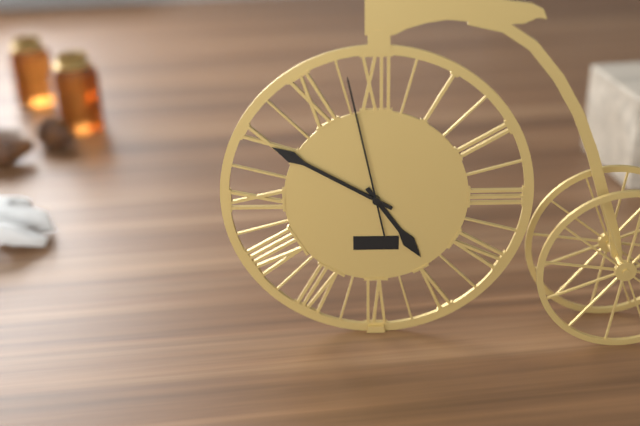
4.50.58
